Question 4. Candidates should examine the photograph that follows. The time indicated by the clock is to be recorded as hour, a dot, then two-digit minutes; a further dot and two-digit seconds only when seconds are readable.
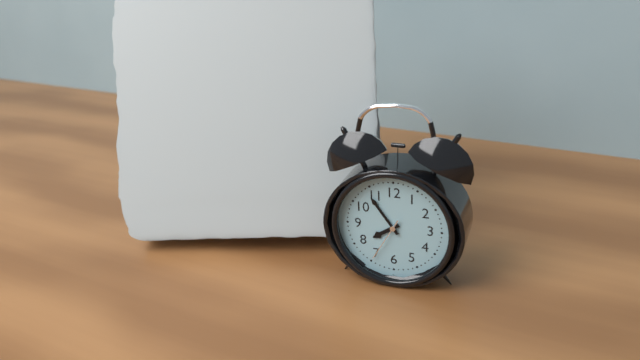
7.54
